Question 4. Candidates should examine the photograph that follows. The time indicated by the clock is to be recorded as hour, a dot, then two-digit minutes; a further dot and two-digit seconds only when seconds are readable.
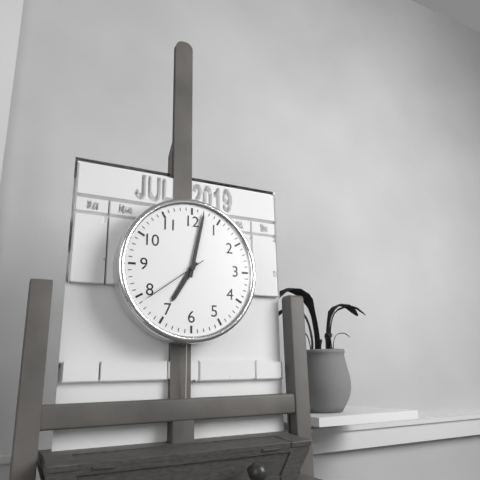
7.02.39
